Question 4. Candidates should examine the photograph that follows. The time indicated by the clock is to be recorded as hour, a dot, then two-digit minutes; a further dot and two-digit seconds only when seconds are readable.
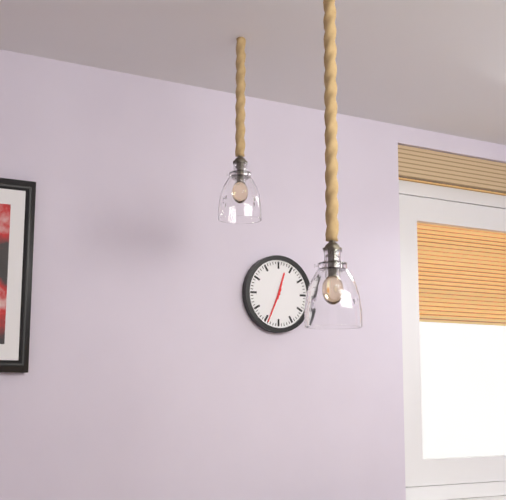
12.34
